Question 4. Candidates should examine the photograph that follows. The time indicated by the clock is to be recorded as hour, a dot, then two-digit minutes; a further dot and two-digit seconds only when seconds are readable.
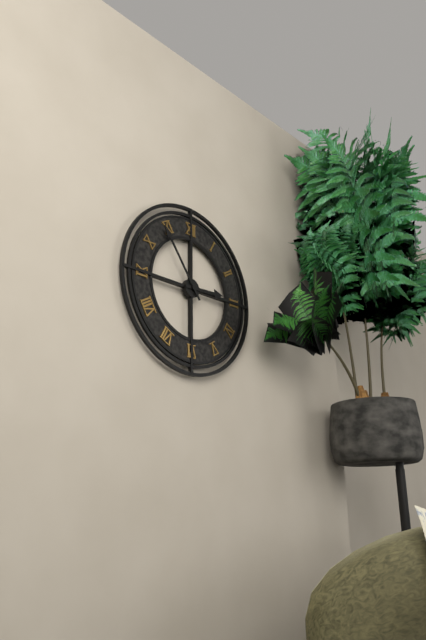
2.54
